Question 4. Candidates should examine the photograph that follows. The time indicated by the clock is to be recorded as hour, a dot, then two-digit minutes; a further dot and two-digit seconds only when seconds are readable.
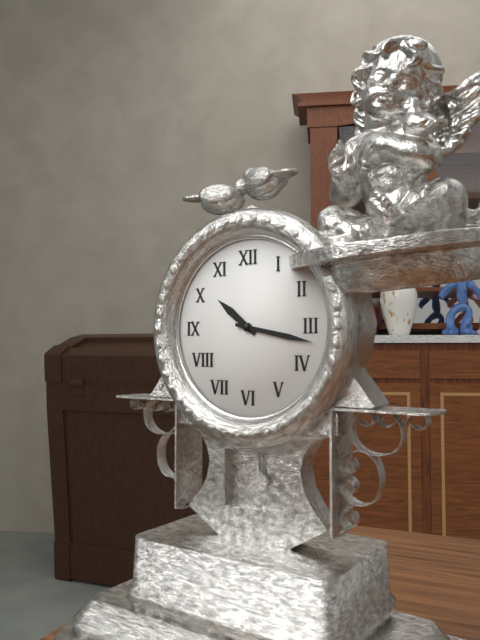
10.17
